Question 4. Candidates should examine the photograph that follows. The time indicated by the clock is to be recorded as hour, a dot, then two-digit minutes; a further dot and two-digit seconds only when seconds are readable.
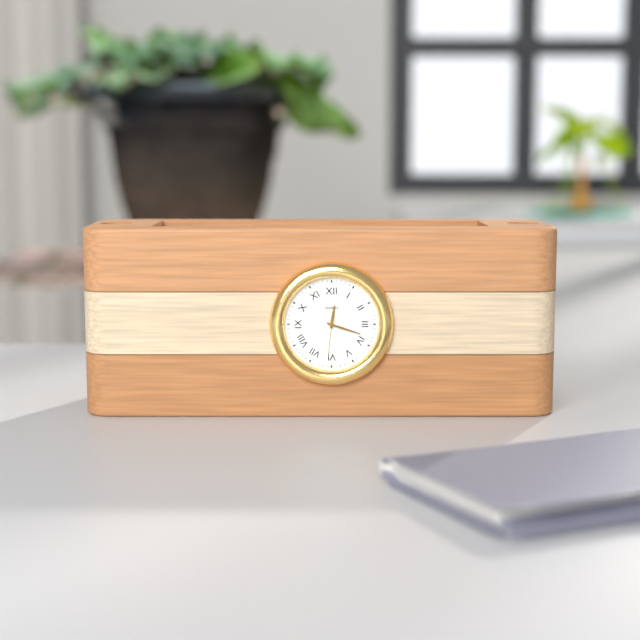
12.18
